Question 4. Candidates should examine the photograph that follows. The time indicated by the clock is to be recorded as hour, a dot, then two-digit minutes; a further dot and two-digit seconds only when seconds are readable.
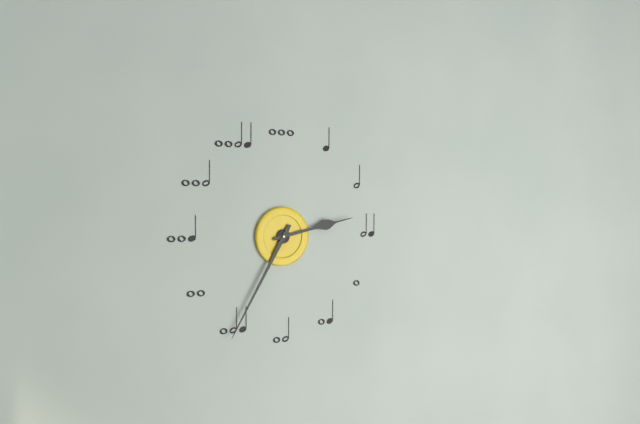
2.35
